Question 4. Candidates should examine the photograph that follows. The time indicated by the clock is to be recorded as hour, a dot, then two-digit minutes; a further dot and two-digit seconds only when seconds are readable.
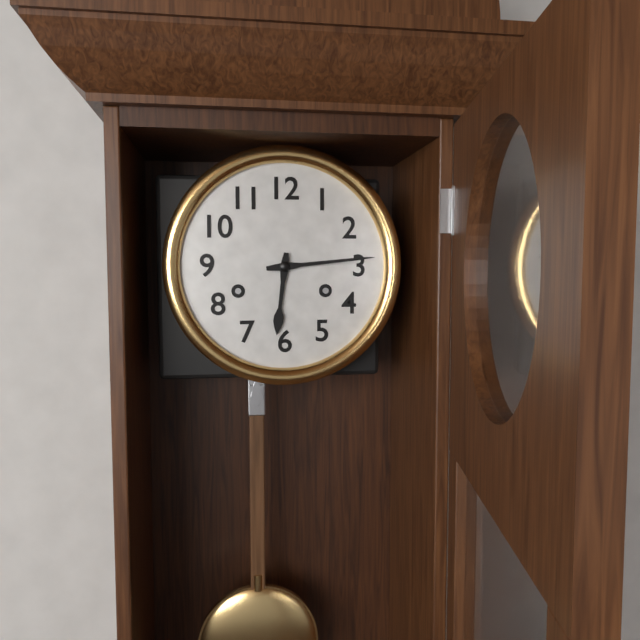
6.14
